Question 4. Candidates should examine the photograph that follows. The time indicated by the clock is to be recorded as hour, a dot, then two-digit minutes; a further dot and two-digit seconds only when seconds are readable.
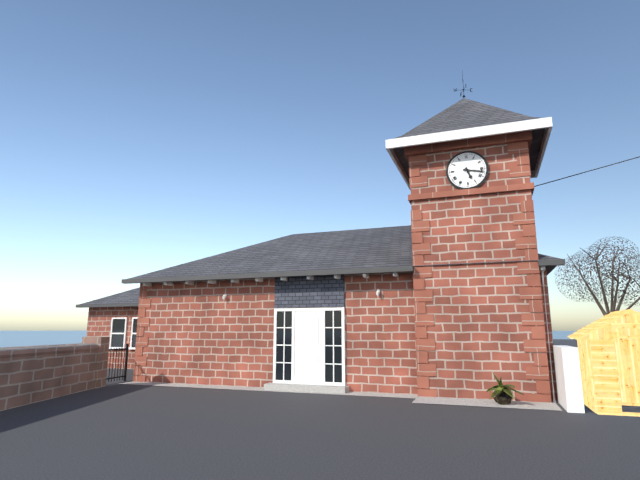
5.17
